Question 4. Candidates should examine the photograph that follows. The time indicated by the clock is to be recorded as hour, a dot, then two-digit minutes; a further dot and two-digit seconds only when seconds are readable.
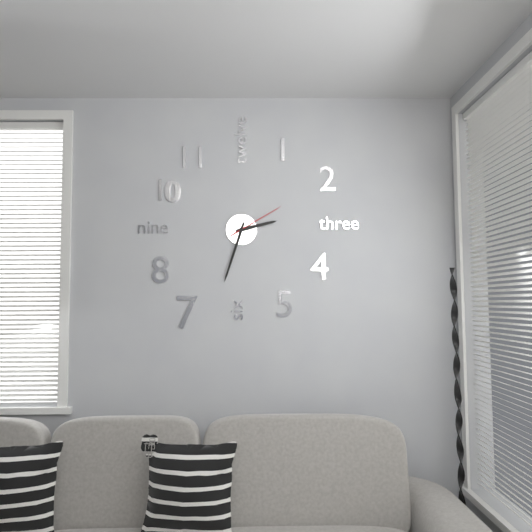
2.33.10
